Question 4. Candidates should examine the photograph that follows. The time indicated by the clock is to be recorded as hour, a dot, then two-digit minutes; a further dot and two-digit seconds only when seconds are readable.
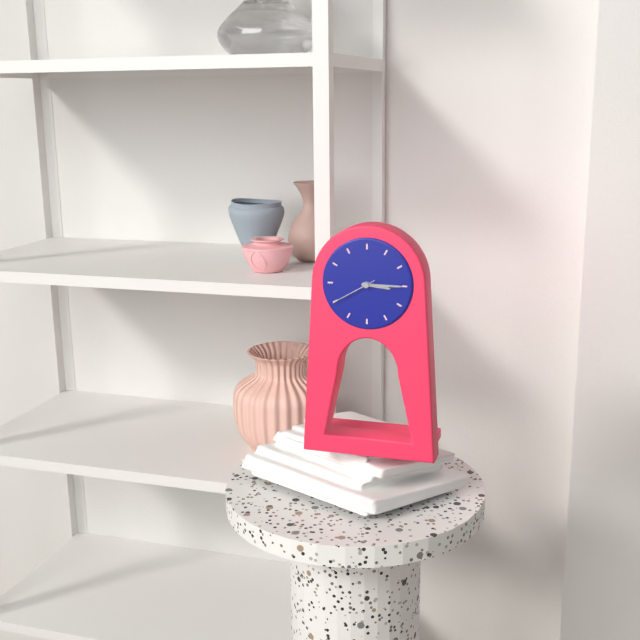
3.15.40
